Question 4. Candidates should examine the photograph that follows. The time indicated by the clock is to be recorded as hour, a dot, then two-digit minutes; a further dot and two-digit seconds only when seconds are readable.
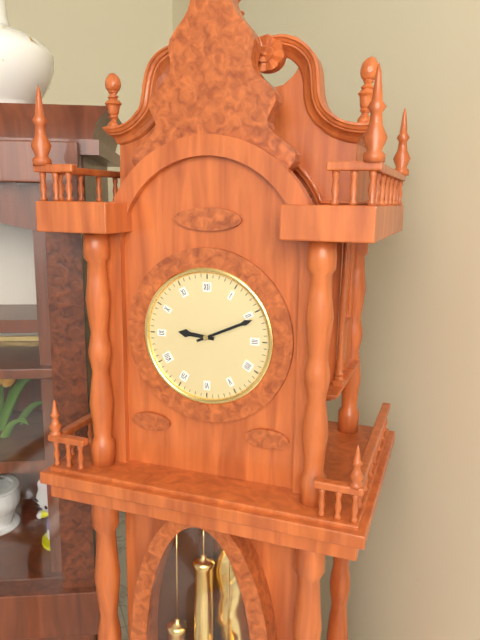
9.11
